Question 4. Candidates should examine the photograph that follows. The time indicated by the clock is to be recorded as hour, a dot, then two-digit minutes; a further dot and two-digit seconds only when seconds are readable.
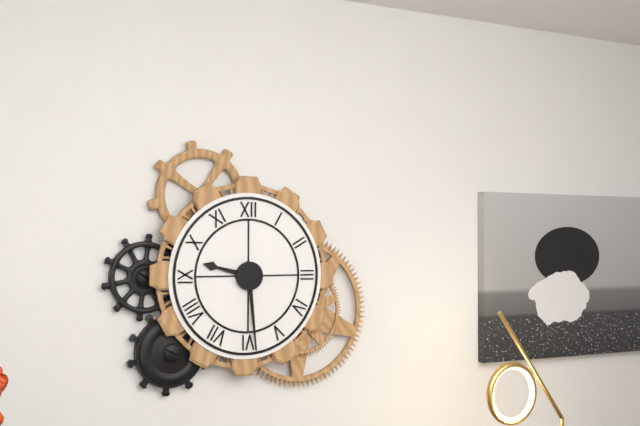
9.29
